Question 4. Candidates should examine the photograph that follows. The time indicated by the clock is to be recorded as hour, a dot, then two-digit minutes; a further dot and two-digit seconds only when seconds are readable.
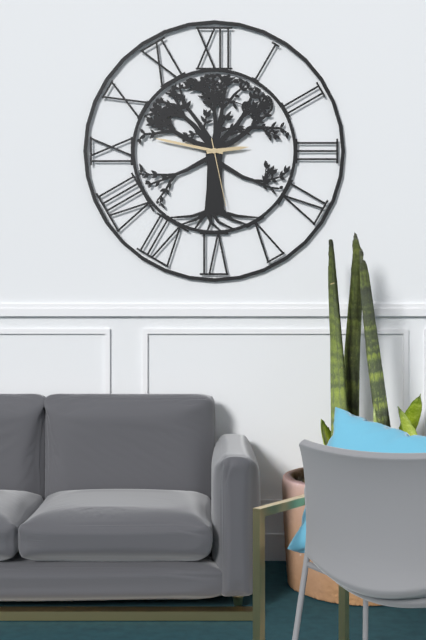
2.47.28
